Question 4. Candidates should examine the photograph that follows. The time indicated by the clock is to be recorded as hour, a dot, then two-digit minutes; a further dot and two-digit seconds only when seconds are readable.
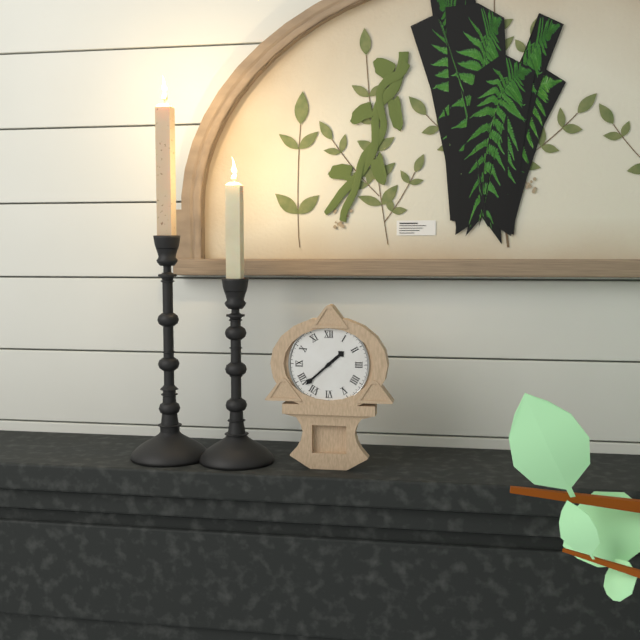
1.38
